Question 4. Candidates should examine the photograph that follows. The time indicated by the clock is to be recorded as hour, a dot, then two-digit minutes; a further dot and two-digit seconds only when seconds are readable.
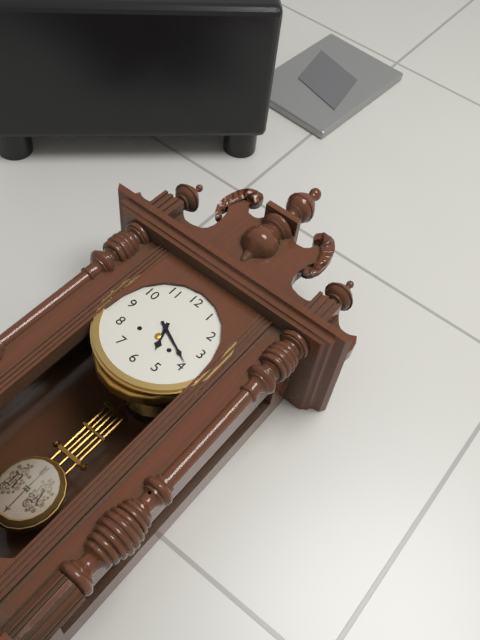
5.19
